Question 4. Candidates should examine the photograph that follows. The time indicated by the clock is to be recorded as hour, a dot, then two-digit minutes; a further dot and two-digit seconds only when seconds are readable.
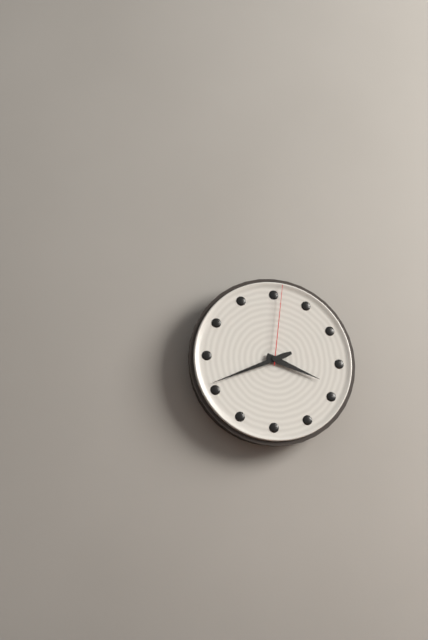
3.41.01
